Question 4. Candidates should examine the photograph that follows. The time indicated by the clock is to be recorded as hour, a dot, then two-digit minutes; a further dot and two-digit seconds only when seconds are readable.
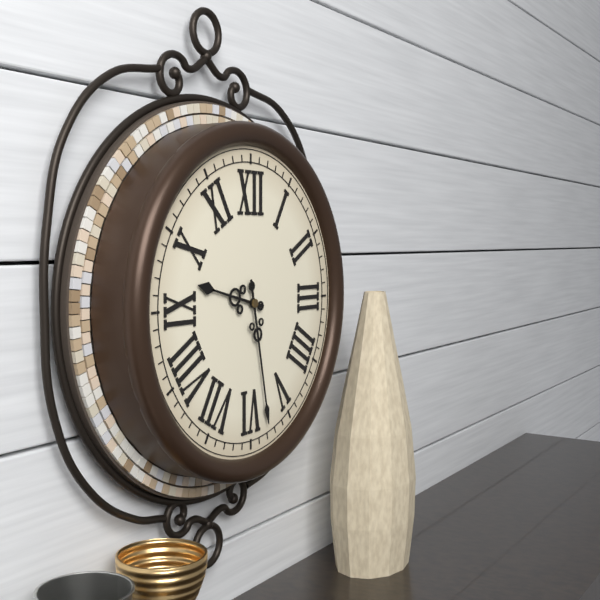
9.28
